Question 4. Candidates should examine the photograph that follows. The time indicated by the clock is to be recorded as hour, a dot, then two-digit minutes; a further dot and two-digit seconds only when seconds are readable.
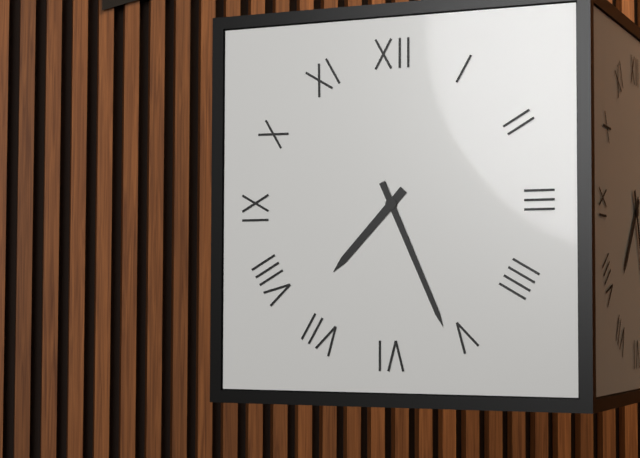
7.26
